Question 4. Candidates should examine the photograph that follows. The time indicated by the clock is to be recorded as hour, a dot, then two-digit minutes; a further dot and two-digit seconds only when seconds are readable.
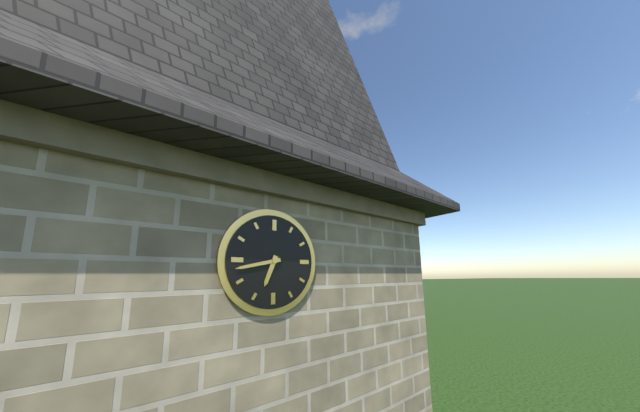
6.43
